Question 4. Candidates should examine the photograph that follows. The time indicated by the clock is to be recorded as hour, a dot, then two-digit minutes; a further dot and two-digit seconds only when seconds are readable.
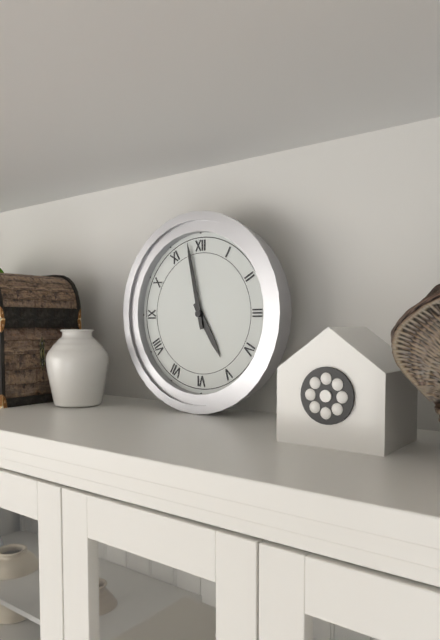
4.58
